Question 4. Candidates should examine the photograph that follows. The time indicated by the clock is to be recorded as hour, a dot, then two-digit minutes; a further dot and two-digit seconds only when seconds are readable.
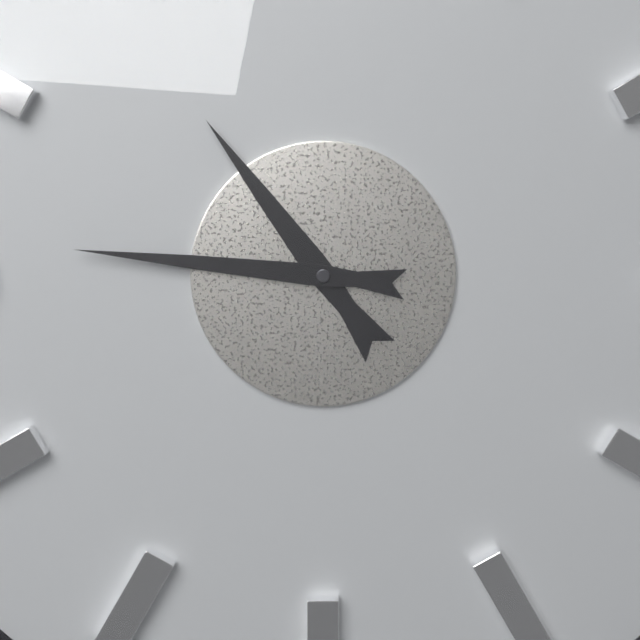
10.46
